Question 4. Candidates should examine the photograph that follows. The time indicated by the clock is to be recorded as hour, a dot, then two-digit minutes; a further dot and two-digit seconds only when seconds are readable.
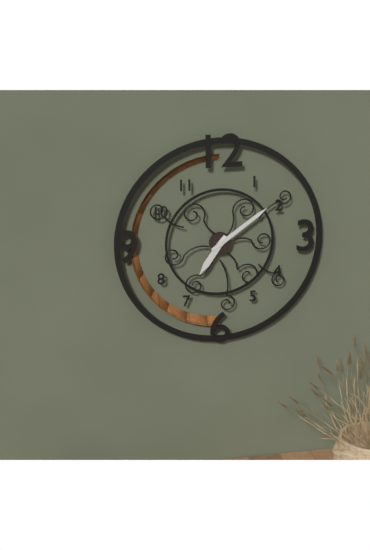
7.09
